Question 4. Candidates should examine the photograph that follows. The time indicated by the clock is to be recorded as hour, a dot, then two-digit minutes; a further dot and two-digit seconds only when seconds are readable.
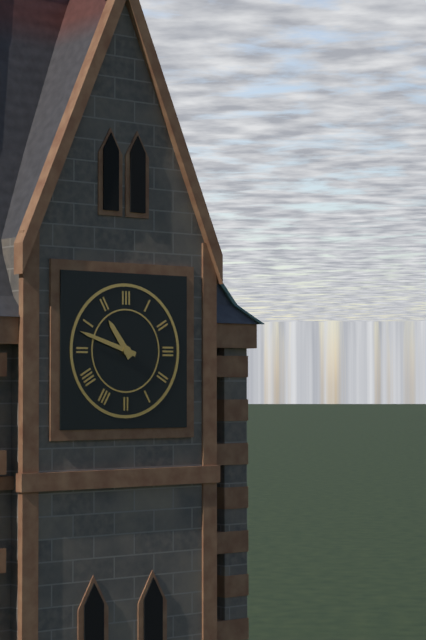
10.48
